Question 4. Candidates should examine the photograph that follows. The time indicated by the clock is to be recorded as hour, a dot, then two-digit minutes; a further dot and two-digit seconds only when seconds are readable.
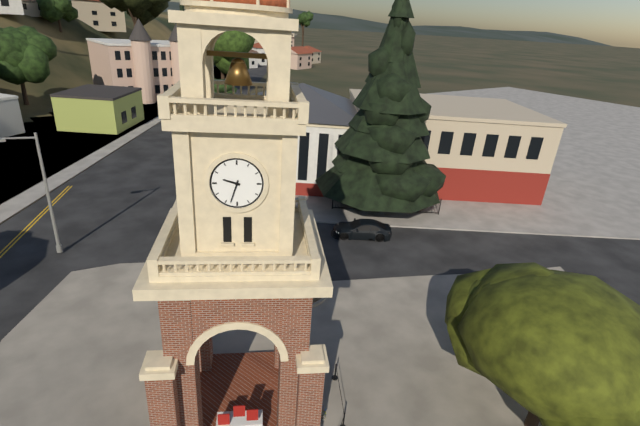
9.33
